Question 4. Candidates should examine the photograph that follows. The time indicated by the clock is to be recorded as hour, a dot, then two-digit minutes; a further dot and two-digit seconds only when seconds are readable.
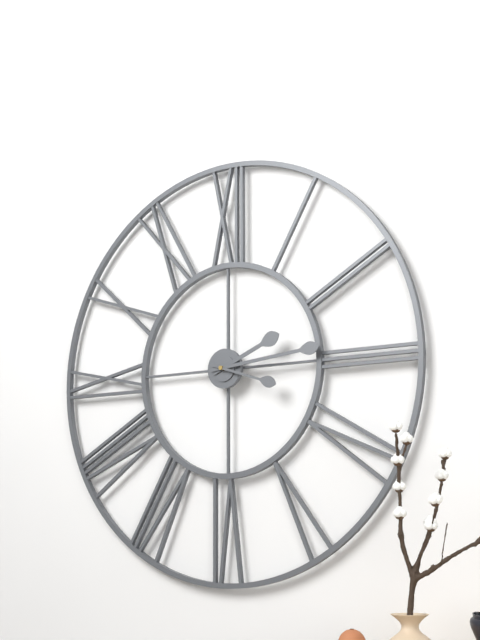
2.14.18
